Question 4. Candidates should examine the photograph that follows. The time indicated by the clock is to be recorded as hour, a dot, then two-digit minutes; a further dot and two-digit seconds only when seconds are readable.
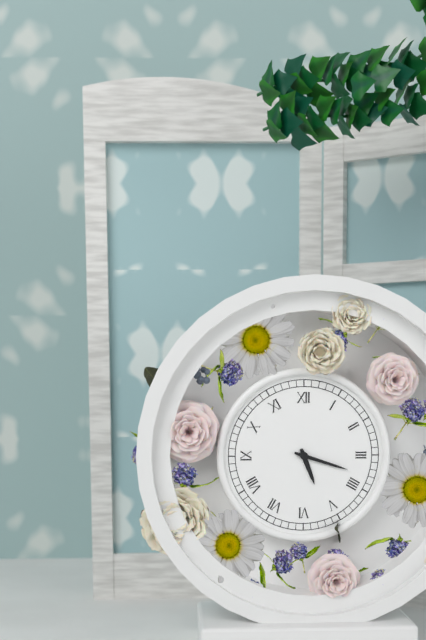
5.18
